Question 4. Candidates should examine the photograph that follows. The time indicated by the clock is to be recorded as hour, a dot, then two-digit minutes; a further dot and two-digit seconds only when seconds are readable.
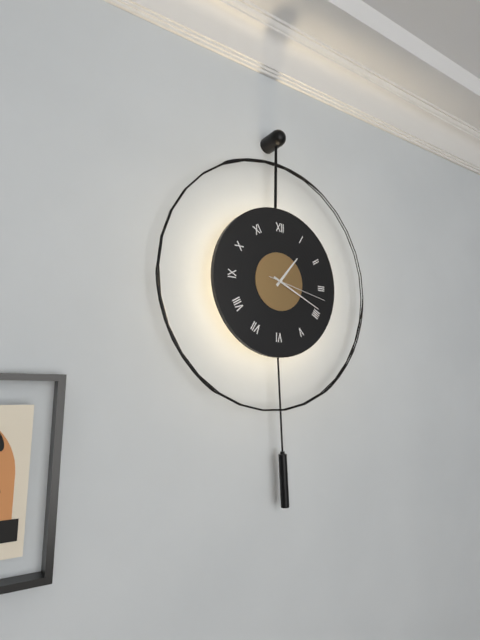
1.19.17
